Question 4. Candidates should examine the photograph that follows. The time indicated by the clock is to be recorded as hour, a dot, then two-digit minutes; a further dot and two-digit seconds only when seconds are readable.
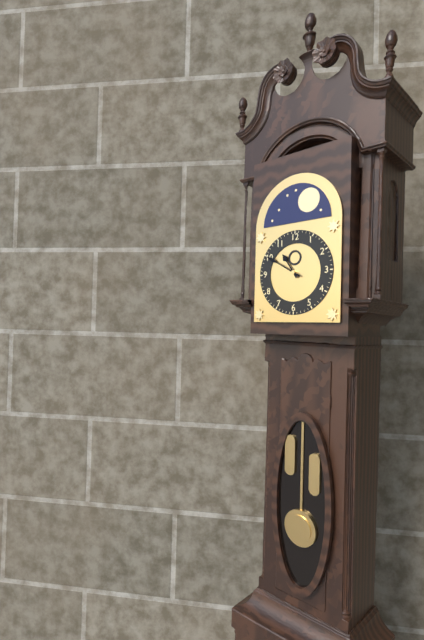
10.50
